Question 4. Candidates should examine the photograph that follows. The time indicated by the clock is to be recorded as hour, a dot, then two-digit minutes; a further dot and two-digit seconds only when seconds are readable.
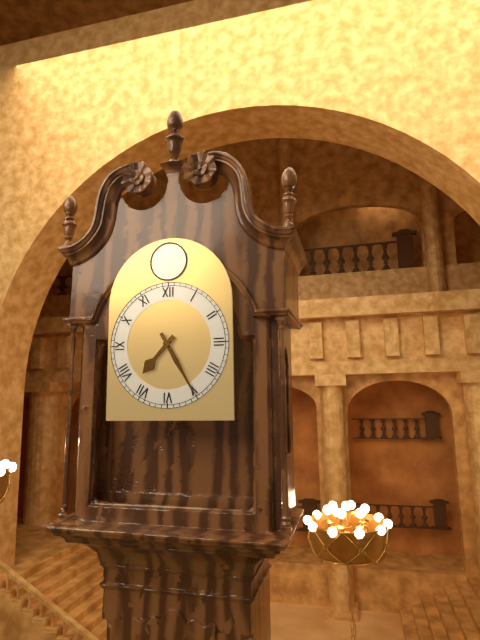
7.25
